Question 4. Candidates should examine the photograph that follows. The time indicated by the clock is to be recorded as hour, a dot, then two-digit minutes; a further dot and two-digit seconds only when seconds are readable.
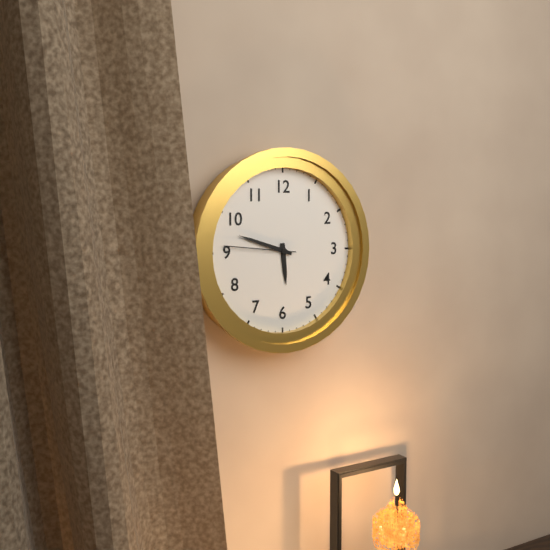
5.48.46
